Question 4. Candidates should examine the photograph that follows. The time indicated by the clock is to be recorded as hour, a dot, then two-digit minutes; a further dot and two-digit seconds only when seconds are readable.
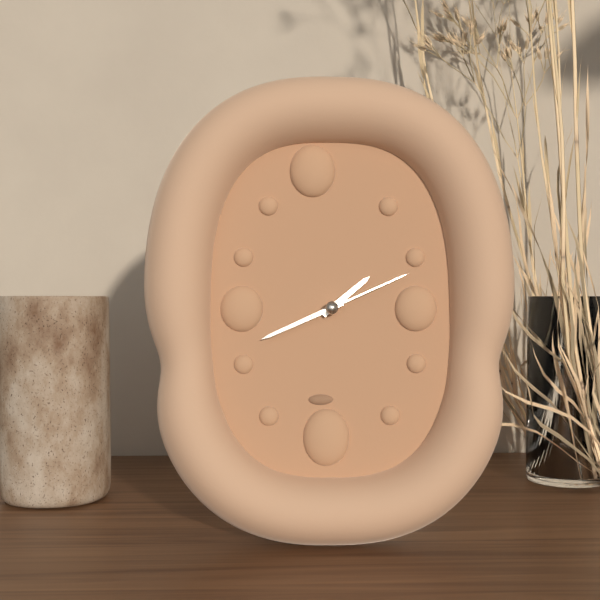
1.41.11
